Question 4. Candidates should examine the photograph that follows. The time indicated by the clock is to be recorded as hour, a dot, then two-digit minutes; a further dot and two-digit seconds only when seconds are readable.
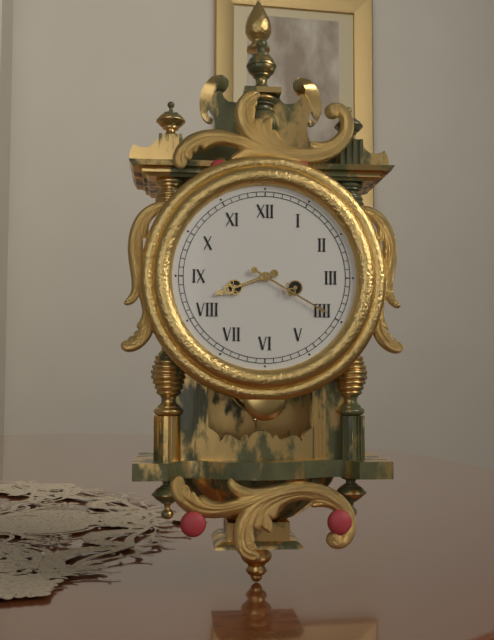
8.20
